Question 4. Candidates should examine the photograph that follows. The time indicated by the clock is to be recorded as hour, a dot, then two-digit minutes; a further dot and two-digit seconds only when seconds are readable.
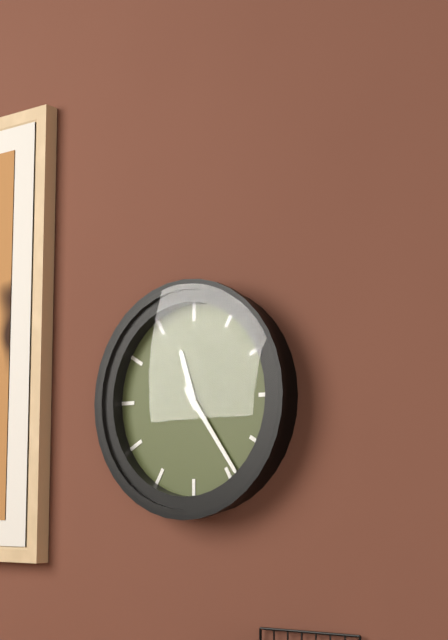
11.24
